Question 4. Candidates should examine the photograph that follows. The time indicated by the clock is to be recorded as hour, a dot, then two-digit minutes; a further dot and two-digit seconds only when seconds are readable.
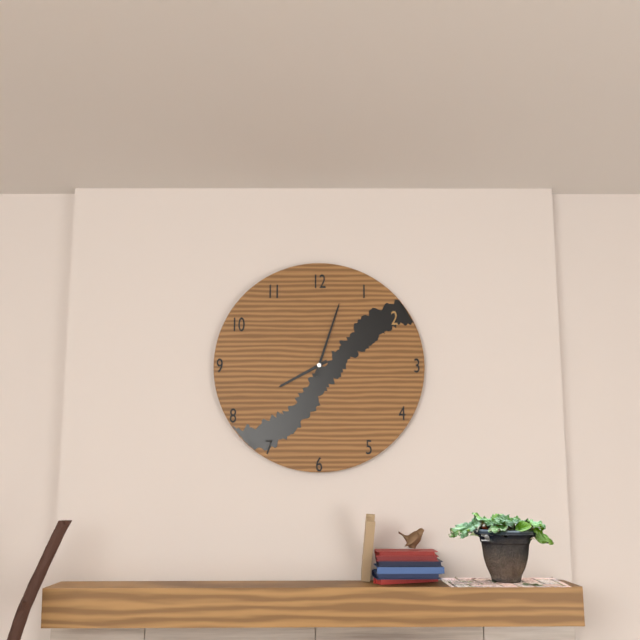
8.03
